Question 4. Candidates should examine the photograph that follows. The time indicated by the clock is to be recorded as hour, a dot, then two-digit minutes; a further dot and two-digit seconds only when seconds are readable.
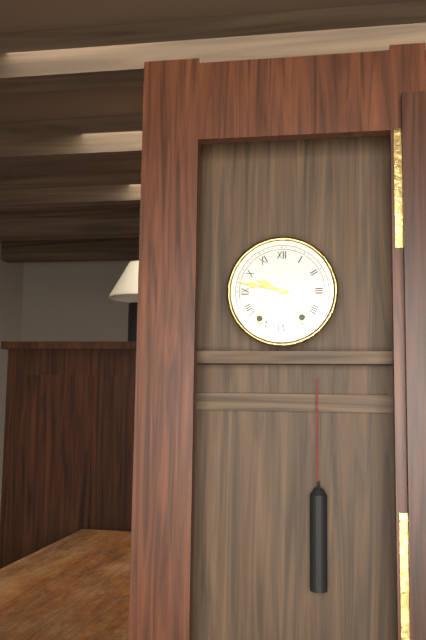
9.47
